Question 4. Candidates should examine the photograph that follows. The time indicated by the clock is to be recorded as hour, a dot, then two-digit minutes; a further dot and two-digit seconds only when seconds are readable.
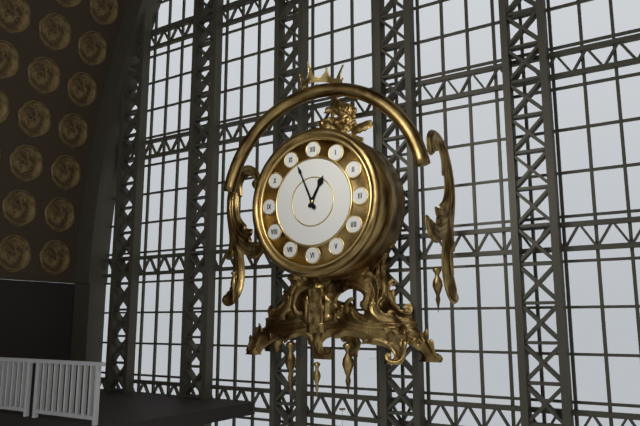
12.56
